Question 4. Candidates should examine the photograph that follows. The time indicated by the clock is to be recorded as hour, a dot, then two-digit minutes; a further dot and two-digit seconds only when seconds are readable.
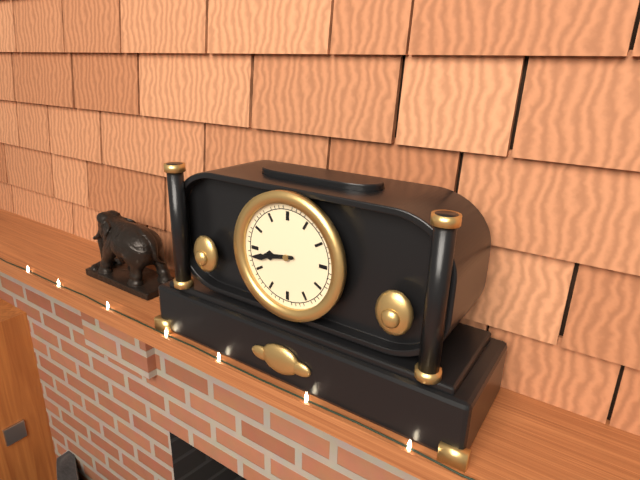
8.43
